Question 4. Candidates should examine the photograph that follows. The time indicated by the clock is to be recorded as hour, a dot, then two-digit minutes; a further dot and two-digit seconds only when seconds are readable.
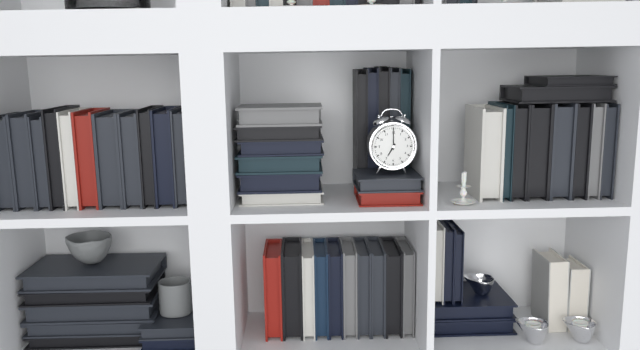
7.00
